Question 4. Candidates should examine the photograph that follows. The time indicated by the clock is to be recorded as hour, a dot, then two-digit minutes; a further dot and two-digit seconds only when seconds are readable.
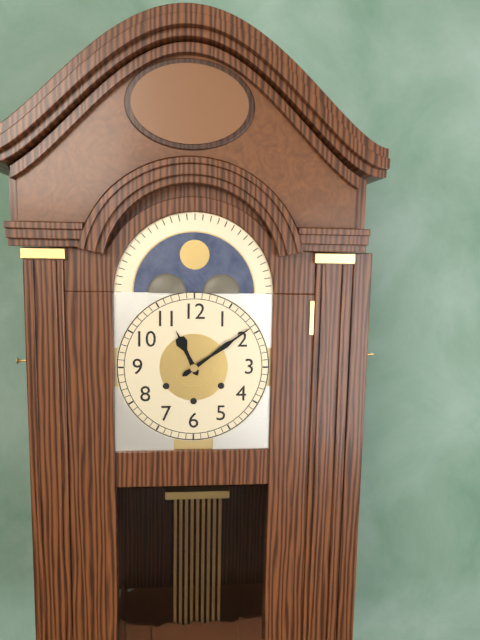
11.09
